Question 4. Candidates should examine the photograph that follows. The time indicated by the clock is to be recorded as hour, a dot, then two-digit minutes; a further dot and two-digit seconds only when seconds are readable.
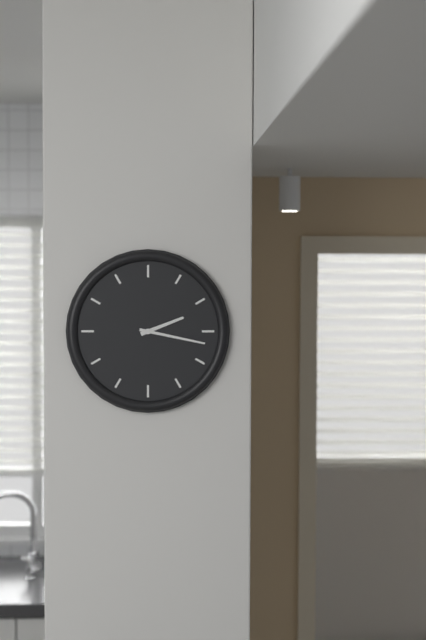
2.17
